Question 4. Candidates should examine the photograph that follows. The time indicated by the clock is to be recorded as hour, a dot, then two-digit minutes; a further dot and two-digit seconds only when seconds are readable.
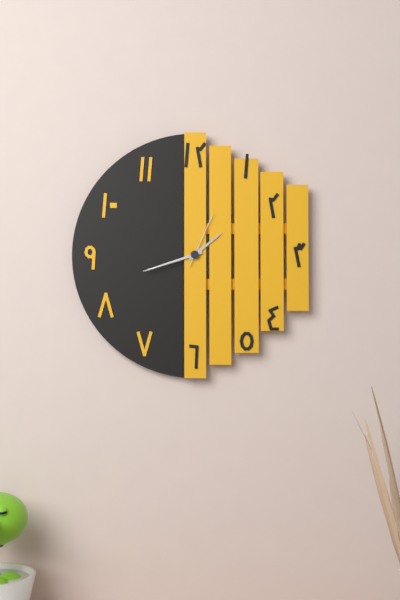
1.42.04
